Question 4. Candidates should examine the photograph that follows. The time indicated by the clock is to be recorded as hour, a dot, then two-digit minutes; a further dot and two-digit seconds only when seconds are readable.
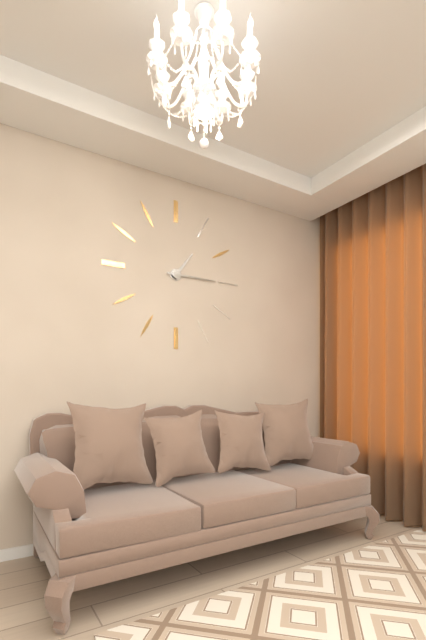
1.15
